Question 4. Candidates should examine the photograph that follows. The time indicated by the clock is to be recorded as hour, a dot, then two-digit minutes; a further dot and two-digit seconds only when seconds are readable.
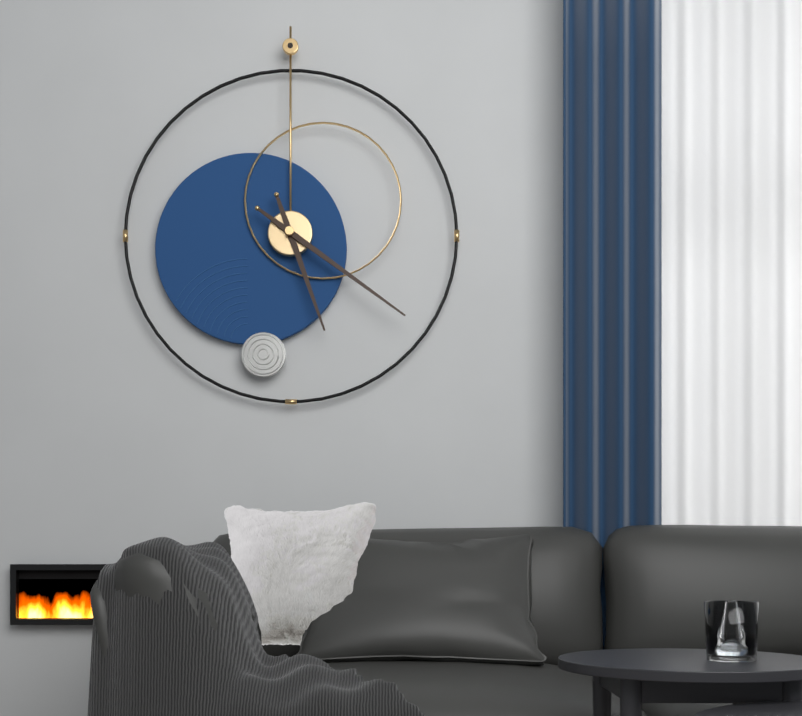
5.21
